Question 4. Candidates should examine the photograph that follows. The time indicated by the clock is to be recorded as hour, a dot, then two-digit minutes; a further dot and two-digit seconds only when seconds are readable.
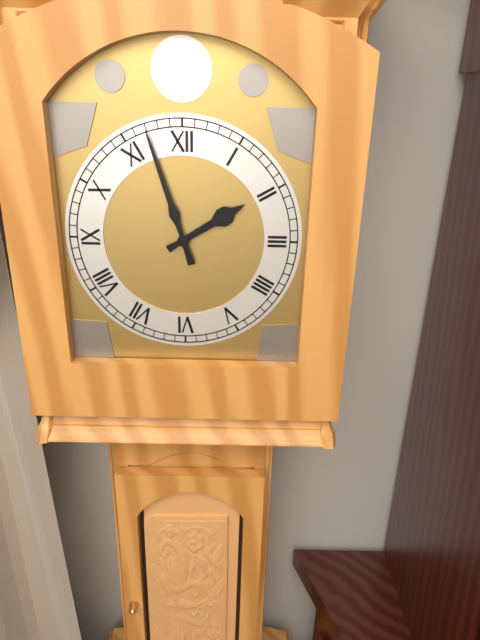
1.57
